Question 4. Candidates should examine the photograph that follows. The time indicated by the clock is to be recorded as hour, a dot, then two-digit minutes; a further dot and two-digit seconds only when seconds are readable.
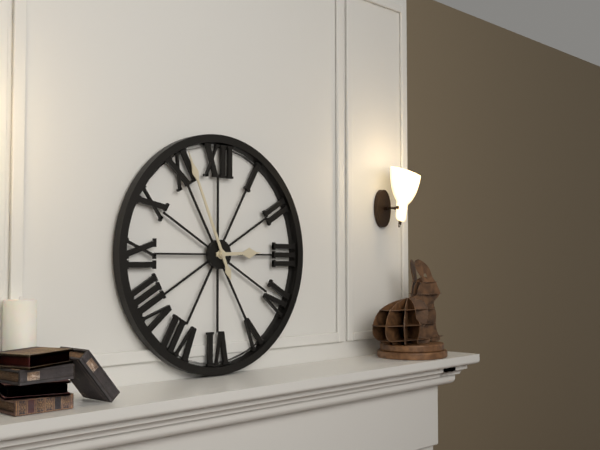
2.56
